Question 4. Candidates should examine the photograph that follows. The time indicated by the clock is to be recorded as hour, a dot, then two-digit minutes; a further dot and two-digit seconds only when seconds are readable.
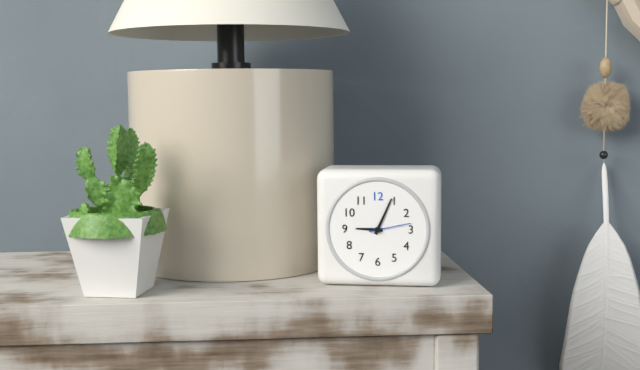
9.04
